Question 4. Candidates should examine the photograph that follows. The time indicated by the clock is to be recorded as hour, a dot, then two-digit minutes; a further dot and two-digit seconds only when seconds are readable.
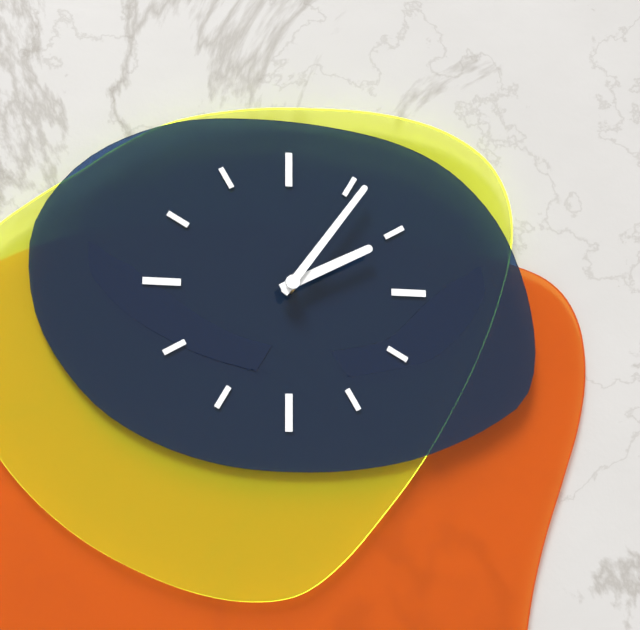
2.06
